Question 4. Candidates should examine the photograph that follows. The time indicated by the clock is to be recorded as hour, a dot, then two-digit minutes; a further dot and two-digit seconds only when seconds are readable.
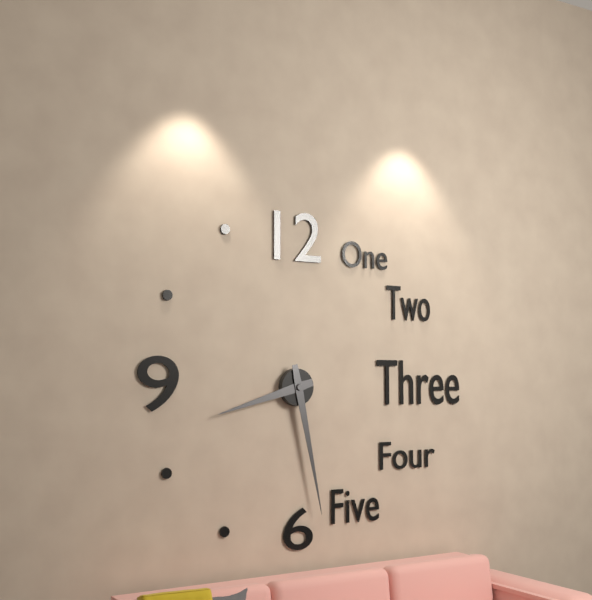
8.28
